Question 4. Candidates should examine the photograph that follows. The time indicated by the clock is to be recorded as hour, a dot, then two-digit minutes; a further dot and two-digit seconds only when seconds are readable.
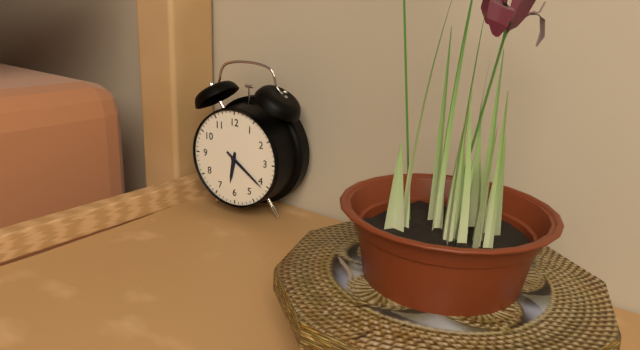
6.21
